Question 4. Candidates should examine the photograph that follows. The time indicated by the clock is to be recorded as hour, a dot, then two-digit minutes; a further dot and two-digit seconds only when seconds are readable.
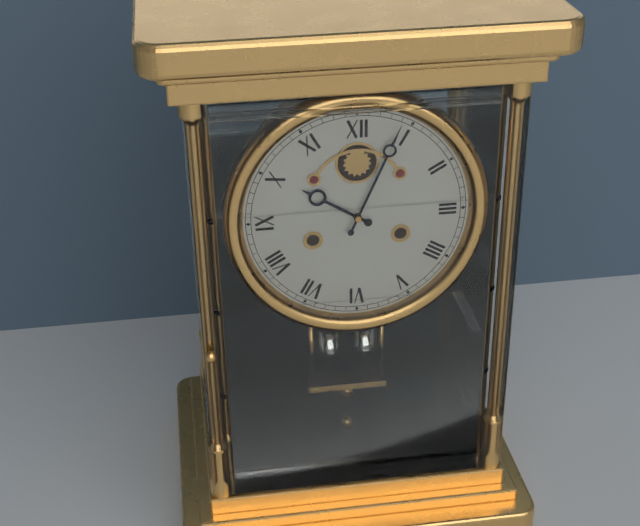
10.04
